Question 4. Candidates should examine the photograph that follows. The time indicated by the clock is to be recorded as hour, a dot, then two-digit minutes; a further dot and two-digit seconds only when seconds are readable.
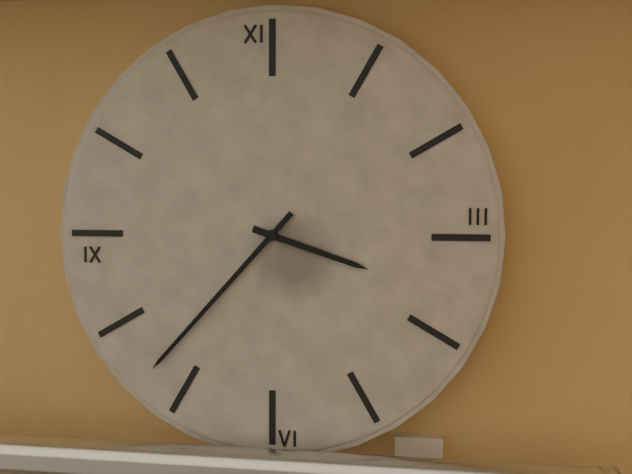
3.37
